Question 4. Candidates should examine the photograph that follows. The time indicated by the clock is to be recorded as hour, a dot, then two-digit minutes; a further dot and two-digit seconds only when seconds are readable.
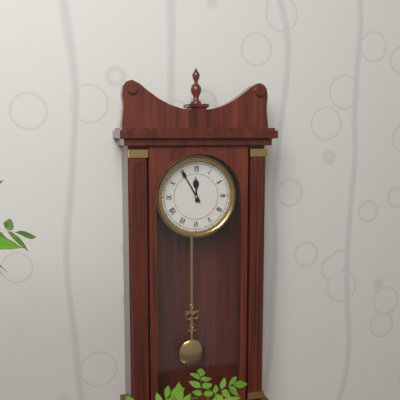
11.55
